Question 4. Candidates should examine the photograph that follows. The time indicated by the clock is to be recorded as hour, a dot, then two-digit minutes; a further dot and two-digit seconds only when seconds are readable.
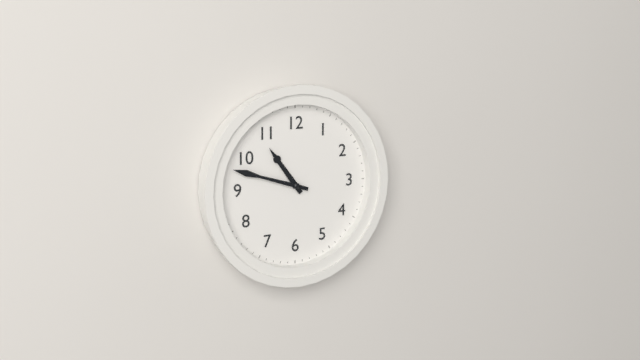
10.48
